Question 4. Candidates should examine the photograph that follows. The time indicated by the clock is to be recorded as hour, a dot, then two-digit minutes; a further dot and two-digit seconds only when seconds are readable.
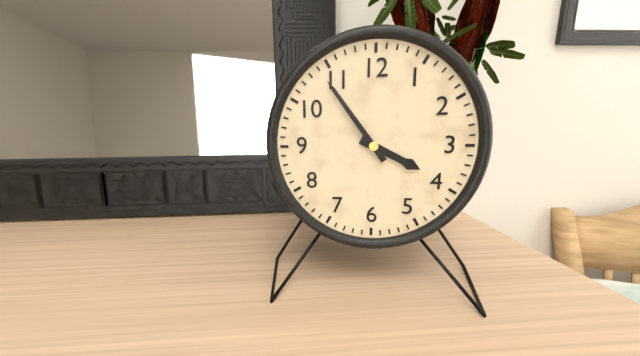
3.54
